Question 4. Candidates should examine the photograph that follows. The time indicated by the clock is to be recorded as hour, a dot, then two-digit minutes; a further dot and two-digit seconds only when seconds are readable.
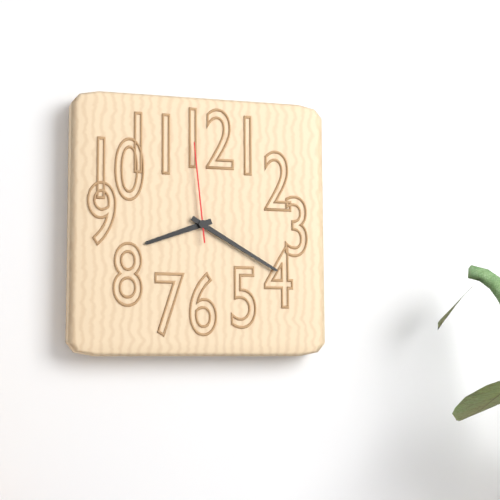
8.20.59
